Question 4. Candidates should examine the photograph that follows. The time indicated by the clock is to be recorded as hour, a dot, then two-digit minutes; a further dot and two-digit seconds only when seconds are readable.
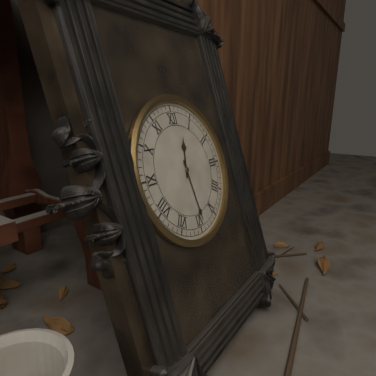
12.29
